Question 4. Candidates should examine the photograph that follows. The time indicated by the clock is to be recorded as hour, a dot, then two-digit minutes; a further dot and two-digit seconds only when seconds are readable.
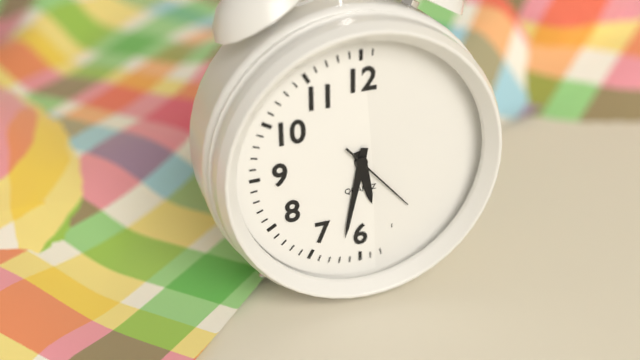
5.32.23
